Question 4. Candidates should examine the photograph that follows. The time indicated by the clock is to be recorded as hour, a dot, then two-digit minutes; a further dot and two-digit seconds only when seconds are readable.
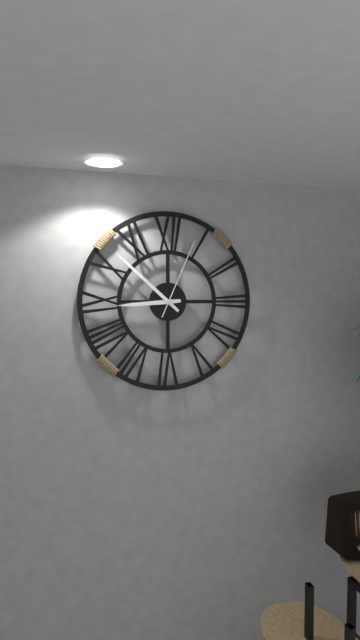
8.52.04
